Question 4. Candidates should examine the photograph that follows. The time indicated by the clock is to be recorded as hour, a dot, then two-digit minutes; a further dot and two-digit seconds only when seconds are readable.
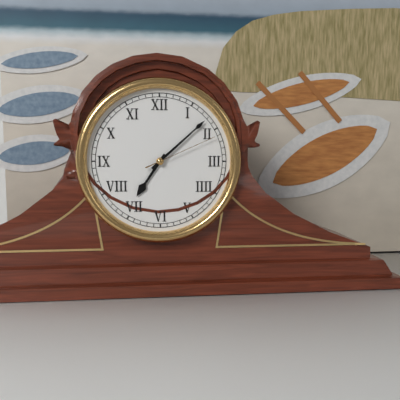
7.08.11
